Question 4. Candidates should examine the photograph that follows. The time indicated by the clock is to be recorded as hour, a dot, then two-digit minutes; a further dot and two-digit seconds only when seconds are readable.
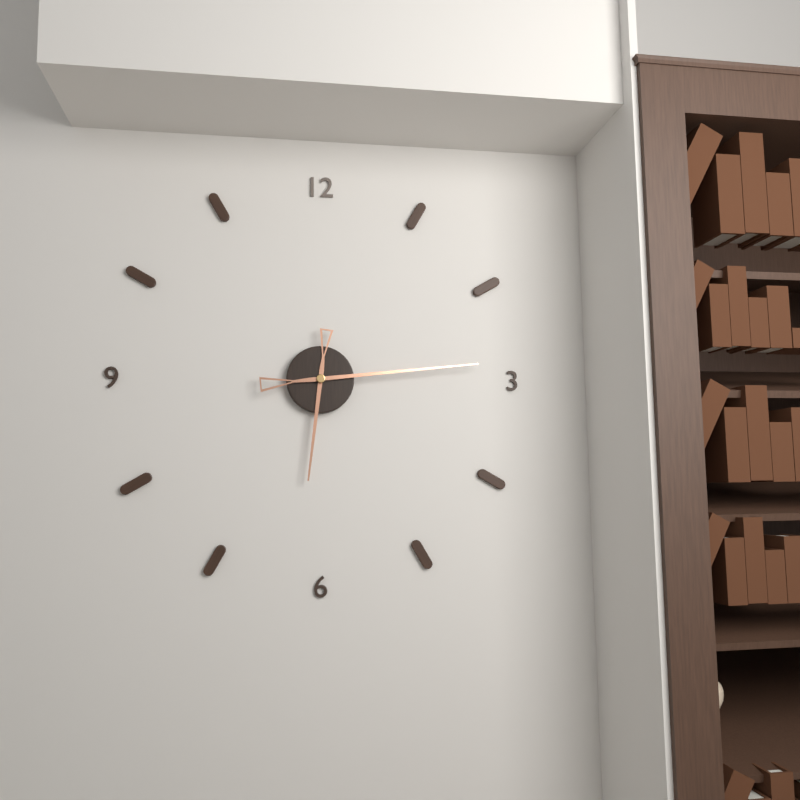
6.14
